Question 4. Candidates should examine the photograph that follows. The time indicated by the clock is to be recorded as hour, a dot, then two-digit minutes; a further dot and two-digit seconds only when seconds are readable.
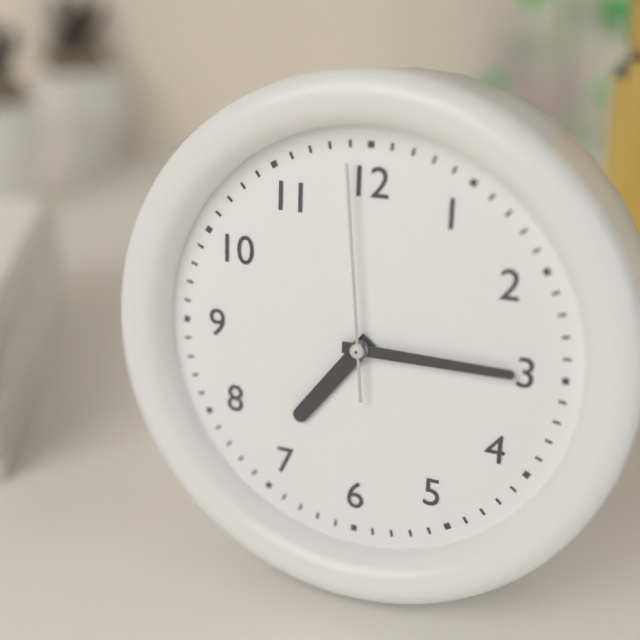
7.15.59
